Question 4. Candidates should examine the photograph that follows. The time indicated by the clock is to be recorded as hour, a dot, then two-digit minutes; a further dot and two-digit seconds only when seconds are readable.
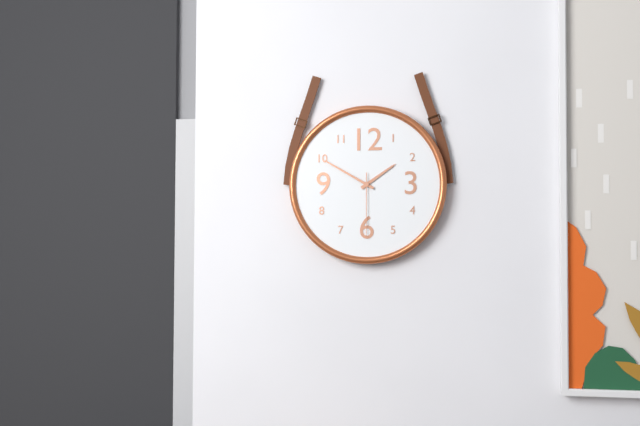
1.50.30
